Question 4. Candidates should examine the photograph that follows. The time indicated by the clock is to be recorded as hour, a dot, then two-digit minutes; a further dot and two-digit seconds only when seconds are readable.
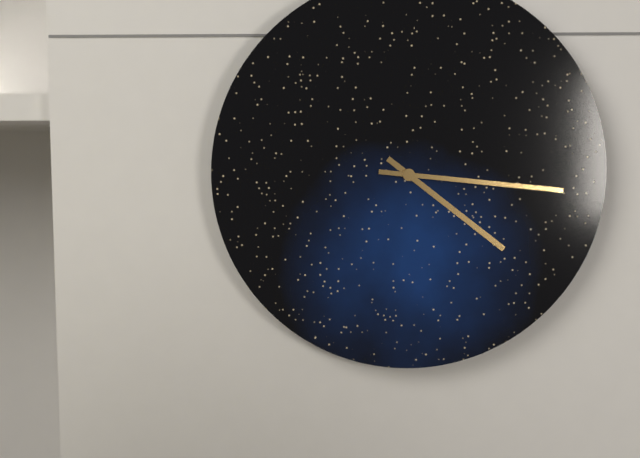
4.16
